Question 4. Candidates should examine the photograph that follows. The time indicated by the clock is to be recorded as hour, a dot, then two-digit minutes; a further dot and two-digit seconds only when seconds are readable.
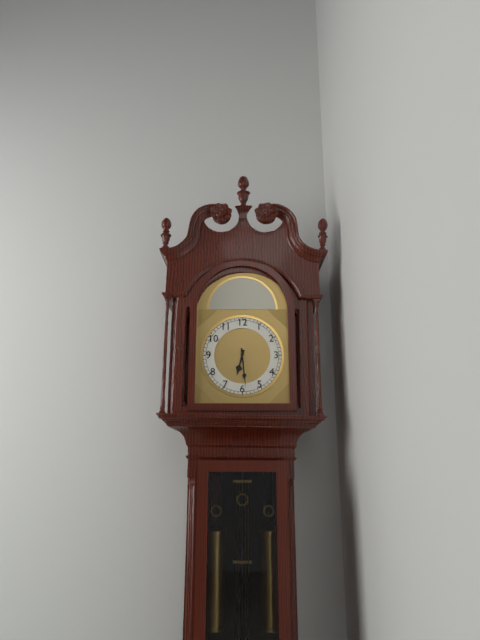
6.29
